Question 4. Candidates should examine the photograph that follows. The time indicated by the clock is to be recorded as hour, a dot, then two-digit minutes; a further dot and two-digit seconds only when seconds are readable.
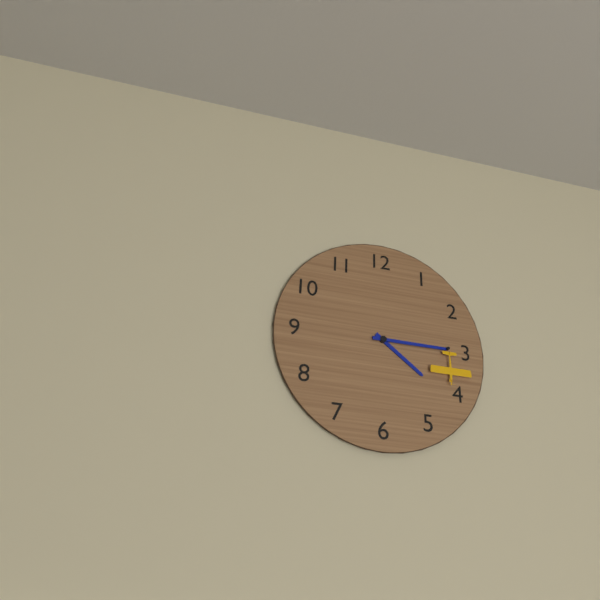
4.15
